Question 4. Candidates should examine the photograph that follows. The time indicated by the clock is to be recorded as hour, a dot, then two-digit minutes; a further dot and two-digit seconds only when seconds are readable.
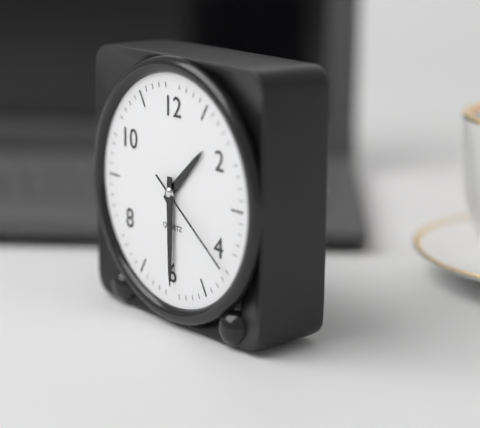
1.30.21
